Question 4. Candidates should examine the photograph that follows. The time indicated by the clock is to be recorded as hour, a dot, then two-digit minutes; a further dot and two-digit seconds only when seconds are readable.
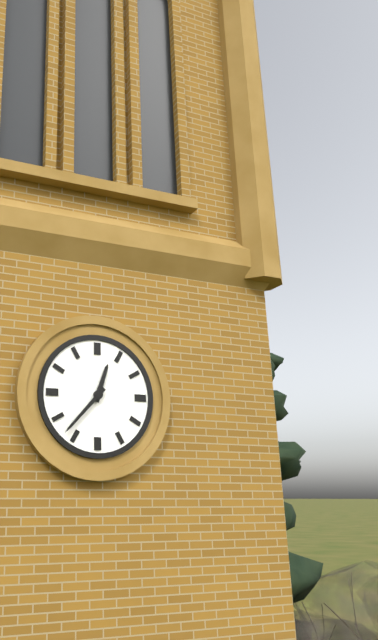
12.37
